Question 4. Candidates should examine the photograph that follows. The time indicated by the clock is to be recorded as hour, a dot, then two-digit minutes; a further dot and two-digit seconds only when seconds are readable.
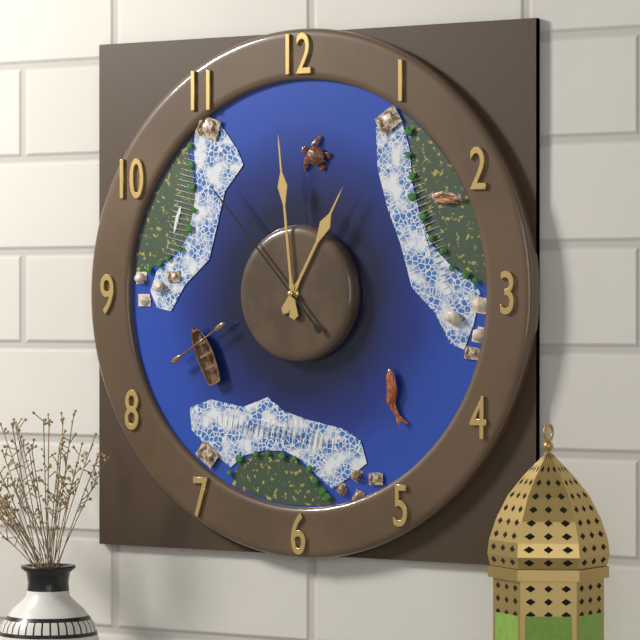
12.59.53
